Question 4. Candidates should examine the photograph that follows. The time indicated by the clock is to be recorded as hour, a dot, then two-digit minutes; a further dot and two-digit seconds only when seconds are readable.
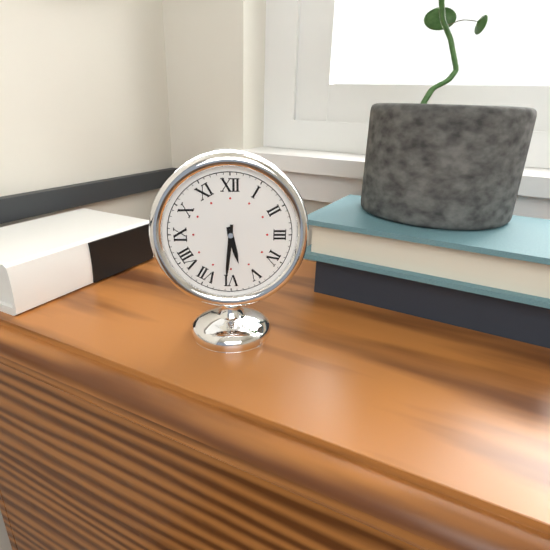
5.31
